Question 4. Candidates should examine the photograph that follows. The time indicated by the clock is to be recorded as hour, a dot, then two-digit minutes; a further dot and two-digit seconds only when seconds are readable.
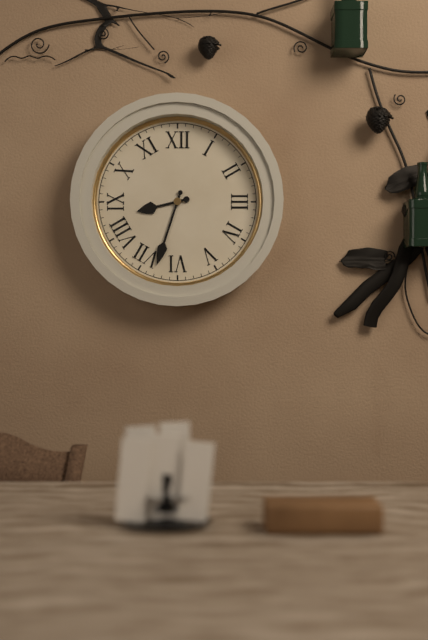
8.33
